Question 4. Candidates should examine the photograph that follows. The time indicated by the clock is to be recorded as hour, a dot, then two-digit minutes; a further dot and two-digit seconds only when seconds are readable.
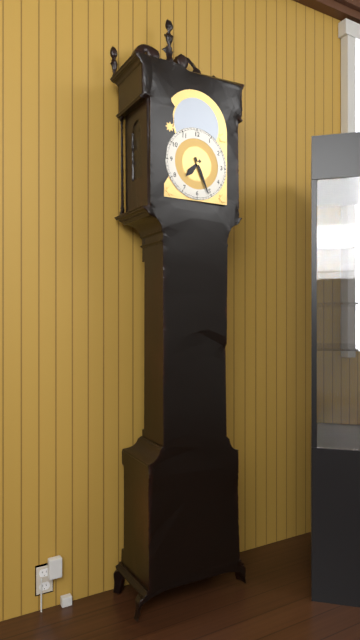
7.26
